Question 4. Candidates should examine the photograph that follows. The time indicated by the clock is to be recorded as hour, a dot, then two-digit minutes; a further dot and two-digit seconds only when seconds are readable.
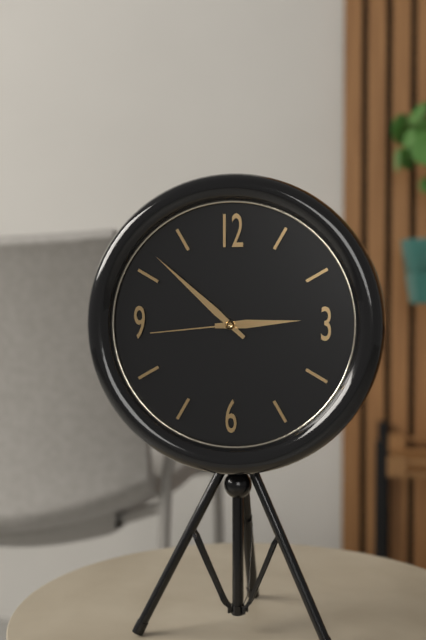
2.52.44
